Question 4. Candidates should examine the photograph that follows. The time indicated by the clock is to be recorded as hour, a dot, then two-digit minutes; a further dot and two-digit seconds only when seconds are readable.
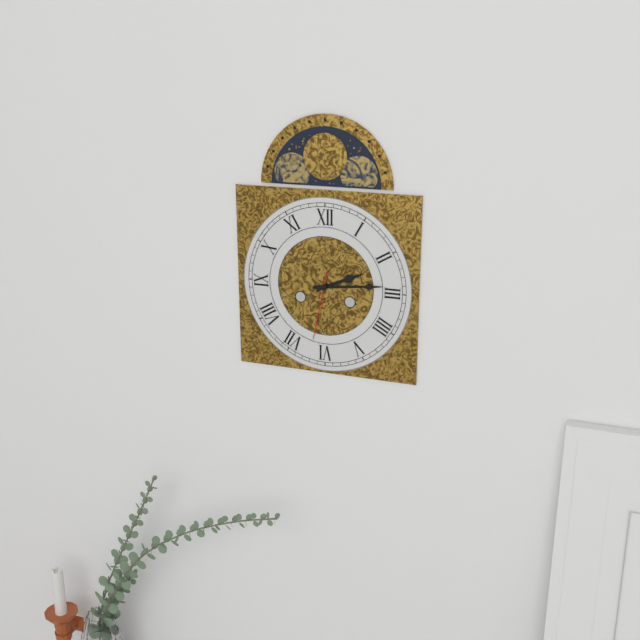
2.14.32
